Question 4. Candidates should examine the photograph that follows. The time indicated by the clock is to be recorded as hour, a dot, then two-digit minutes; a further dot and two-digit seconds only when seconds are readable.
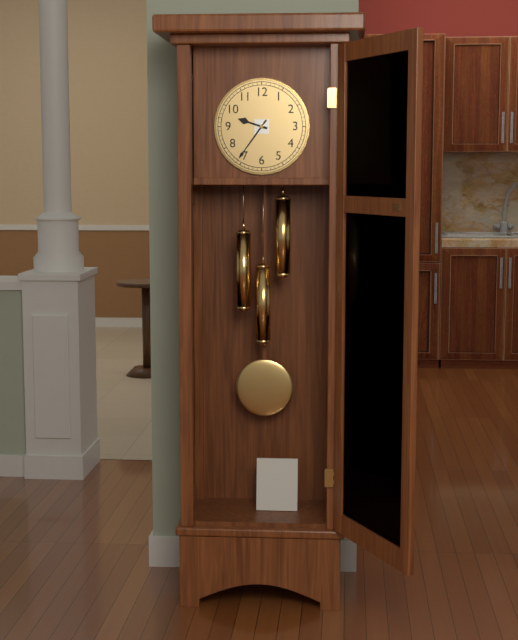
9.36
